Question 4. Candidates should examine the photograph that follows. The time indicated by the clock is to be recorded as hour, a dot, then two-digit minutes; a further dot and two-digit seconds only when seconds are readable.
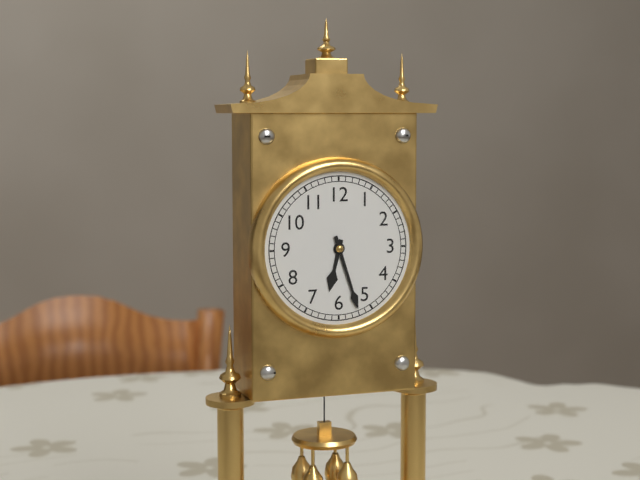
6.27
